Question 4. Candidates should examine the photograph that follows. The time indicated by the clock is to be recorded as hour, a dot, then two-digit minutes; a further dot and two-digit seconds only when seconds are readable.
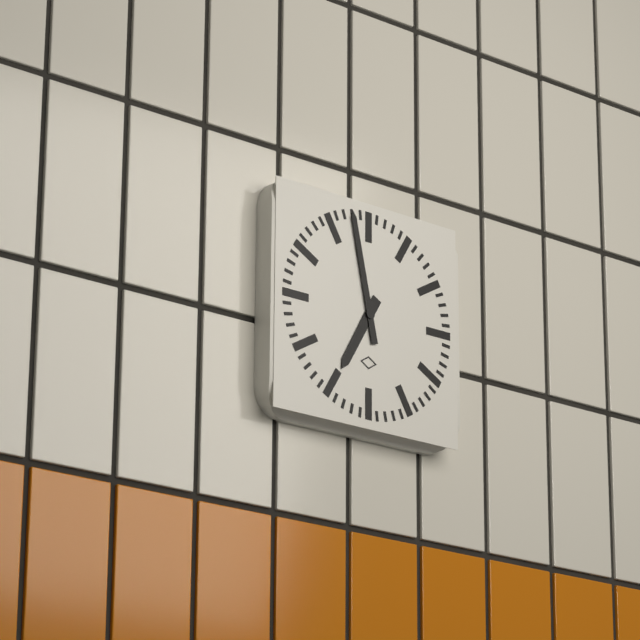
6.58
